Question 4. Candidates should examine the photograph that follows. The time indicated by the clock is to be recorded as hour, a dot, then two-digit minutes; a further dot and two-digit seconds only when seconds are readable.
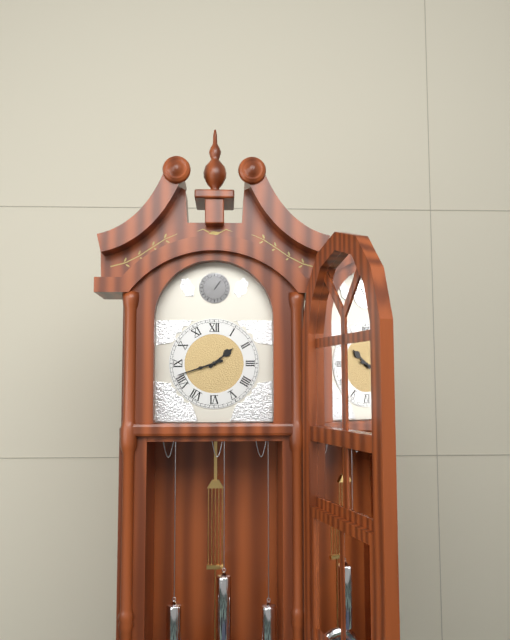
1.42
